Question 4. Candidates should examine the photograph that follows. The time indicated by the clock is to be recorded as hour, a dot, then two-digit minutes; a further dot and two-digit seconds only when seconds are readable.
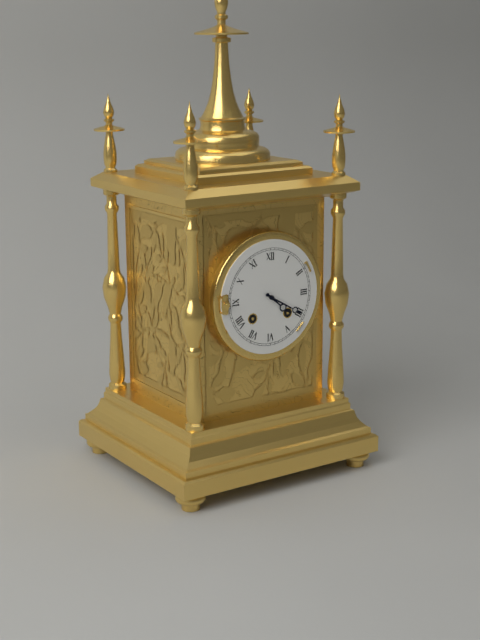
4.20
